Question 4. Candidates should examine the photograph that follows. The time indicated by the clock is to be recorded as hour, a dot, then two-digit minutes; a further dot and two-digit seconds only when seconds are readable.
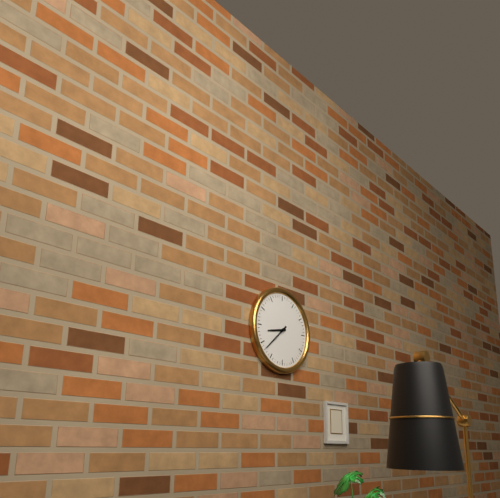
8.38
